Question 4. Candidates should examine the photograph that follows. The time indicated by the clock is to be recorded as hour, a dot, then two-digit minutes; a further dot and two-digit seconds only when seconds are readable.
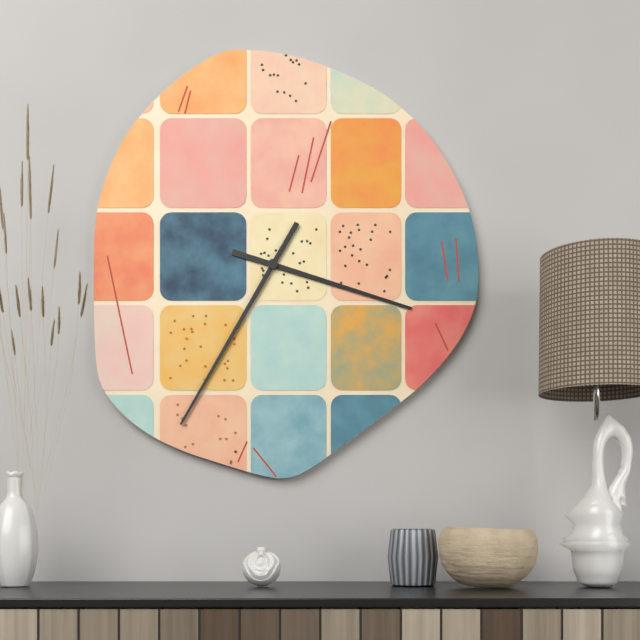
3.35
